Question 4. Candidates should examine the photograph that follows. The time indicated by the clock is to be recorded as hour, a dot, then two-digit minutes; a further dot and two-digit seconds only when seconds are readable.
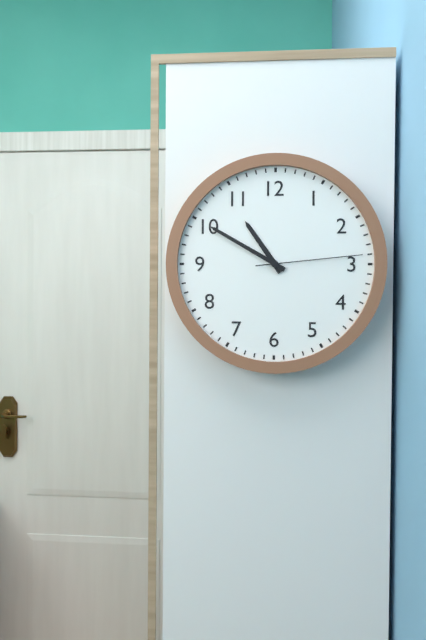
10.50.14
